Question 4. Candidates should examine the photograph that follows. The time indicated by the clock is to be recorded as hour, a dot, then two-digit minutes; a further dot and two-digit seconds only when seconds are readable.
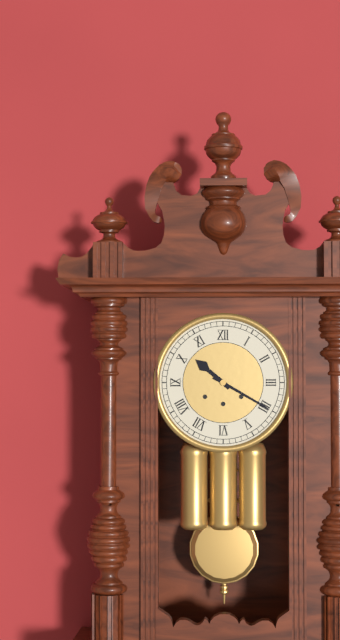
10.20
